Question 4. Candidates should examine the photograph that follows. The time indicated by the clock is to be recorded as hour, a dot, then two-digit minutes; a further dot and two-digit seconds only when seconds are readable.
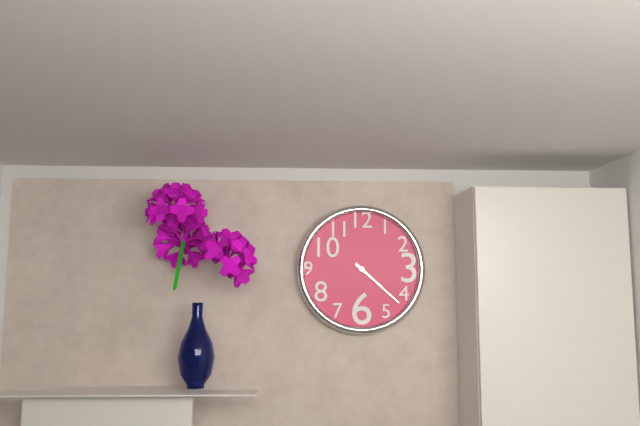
4.22
